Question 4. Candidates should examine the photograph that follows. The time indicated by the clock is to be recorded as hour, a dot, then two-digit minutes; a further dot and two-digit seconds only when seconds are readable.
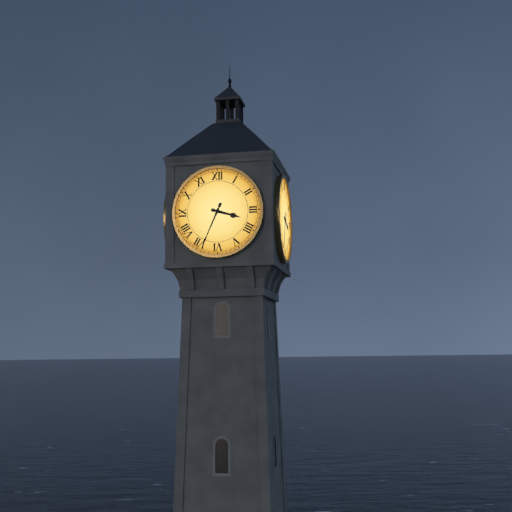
3.34
